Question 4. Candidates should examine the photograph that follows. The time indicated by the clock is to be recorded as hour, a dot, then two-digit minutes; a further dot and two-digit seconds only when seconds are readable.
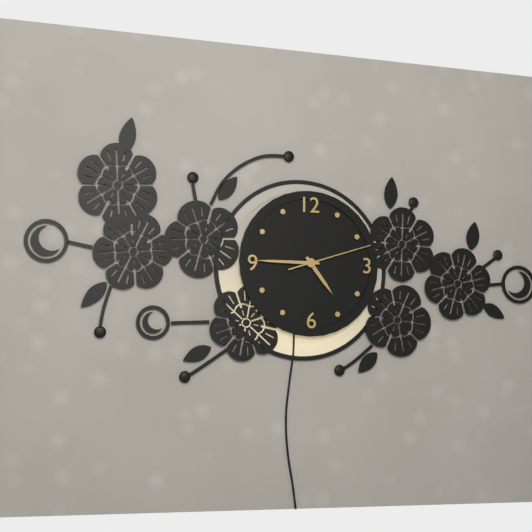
4.45.12
